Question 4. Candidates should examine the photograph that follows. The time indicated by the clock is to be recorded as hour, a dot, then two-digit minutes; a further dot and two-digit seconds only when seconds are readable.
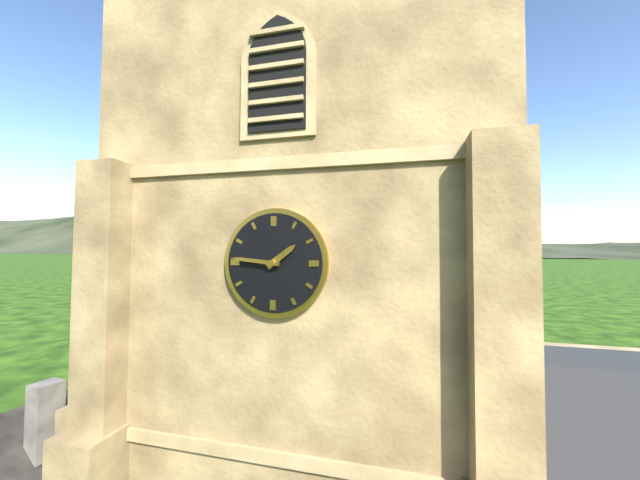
1.46
